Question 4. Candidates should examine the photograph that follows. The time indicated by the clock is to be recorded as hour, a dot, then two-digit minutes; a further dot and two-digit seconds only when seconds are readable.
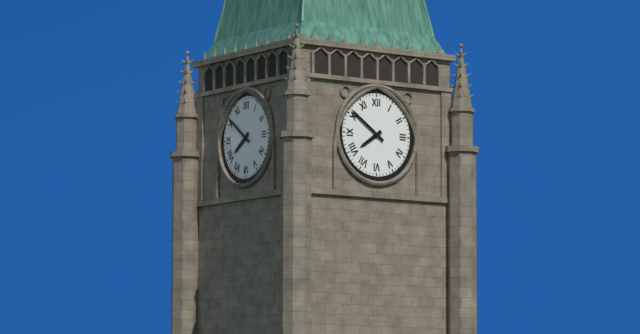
7.51
